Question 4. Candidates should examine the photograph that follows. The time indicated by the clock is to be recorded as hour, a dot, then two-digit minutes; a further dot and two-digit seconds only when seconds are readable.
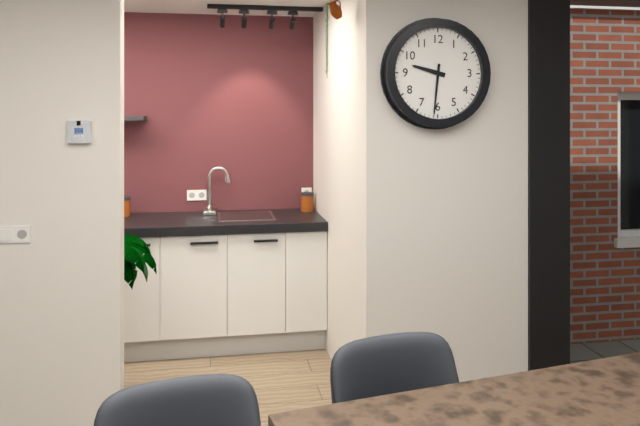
9.31
